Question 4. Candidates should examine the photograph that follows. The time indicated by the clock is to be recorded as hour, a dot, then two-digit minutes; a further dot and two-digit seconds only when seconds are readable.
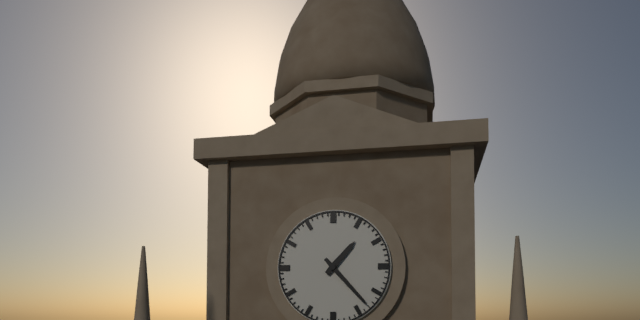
1.23
